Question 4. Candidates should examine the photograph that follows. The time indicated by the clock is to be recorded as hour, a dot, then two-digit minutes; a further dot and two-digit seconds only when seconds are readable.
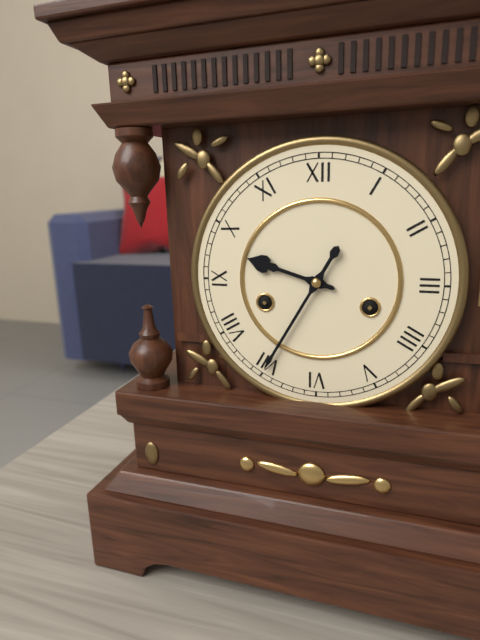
9.35
